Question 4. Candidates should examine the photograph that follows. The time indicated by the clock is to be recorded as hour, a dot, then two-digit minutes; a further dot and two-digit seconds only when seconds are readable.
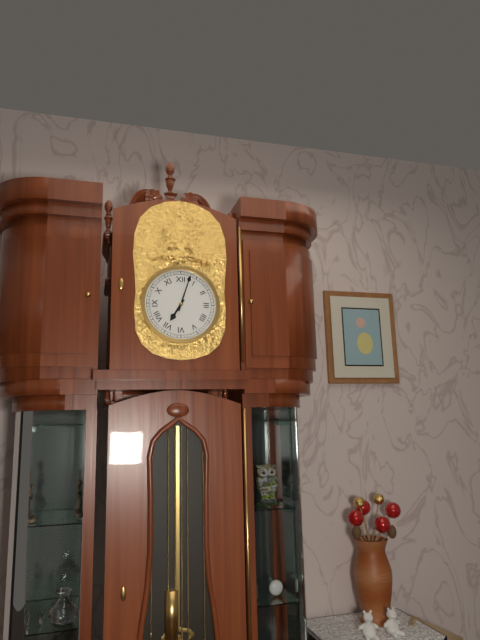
7.03
